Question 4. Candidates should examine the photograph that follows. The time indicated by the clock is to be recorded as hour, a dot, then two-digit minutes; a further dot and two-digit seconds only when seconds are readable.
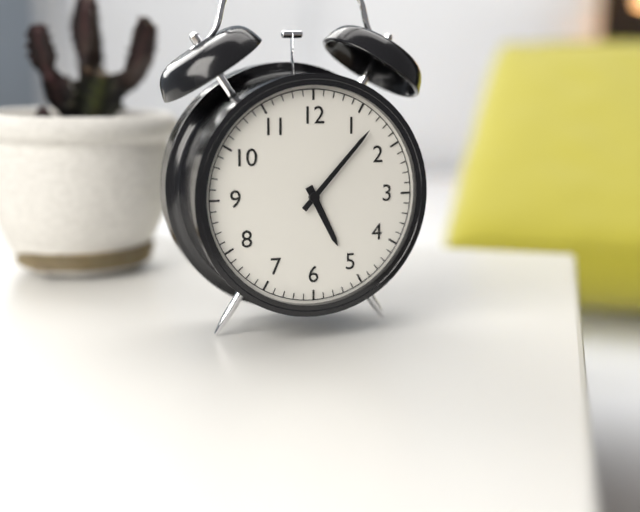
5.07
